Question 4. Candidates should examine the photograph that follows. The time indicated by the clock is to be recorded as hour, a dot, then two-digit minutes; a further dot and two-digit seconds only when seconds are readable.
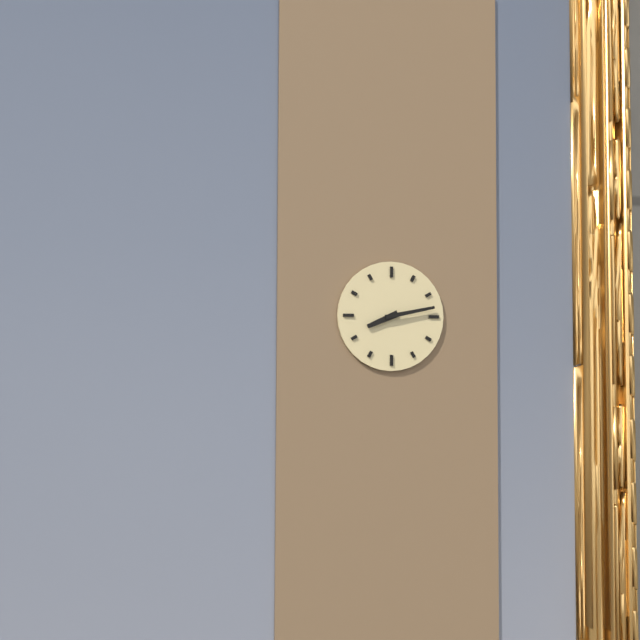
8.13
